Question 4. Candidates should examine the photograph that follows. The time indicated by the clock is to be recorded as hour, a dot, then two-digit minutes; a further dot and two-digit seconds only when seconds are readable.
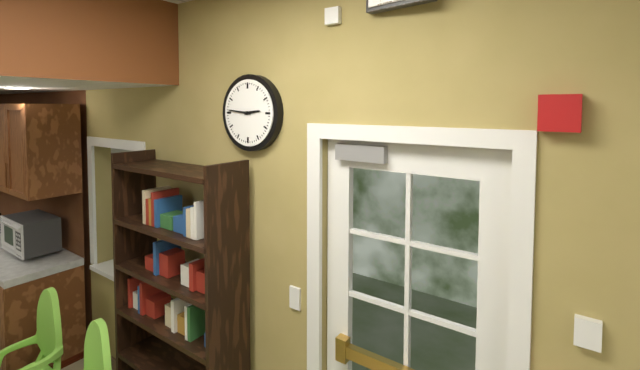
2.46
